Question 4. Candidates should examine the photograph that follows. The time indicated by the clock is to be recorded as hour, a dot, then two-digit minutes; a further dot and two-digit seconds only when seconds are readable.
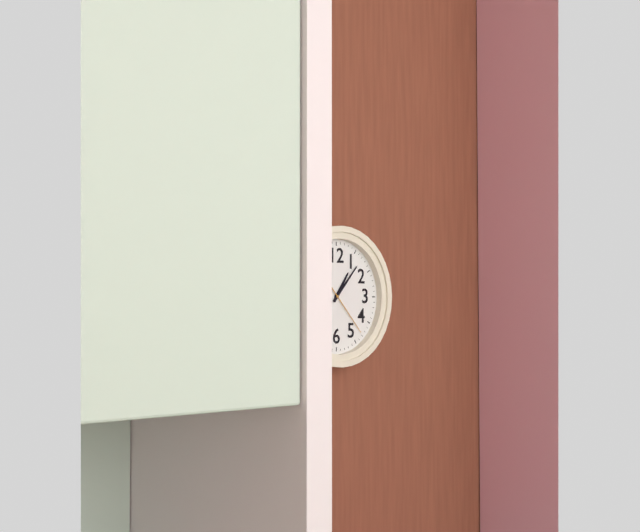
1.07.23
